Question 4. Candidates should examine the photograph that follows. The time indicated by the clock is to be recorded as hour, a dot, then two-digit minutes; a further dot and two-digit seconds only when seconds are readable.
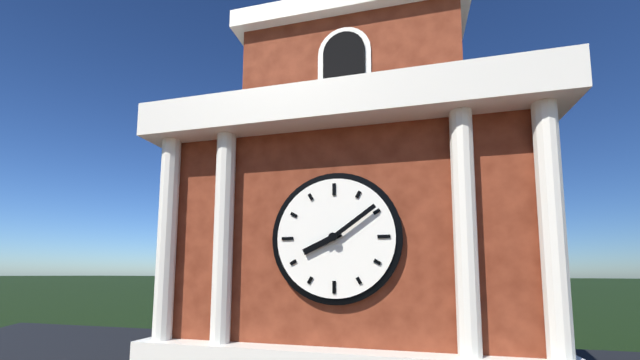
8.09
